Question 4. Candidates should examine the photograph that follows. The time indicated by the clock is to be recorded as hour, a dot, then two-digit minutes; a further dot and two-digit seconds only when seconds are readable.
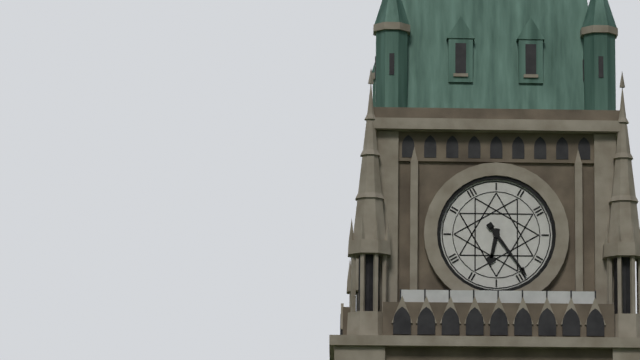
6.24
